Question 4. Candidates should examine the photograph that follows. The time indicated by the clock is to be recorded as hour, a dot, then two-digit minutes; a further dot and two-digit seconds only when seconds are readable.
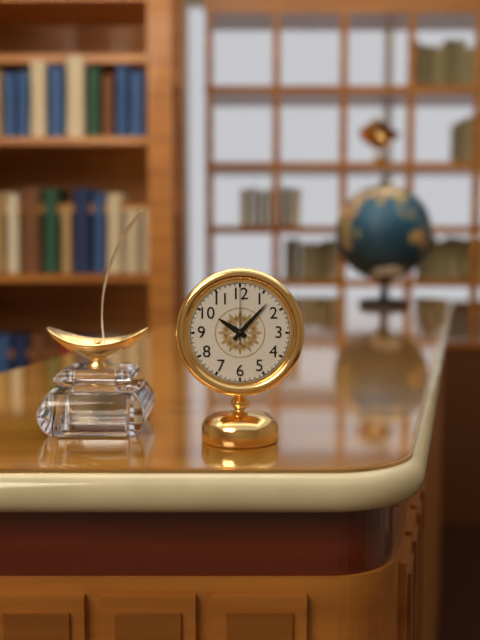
10.07.00
